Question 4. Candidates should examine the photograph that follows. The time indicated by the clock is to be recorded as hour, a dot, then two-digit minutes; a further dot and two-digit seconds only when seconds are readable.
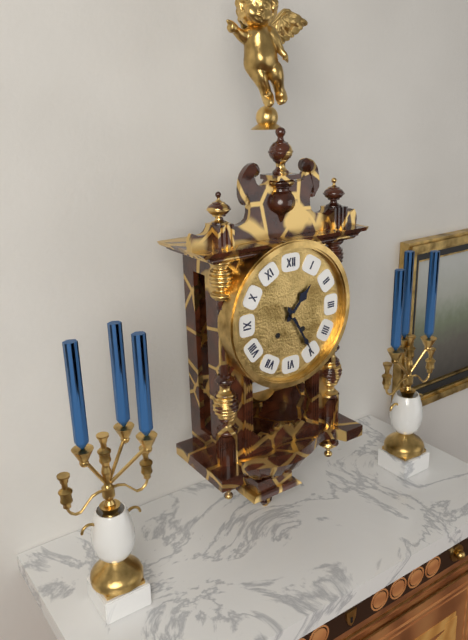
1.25
